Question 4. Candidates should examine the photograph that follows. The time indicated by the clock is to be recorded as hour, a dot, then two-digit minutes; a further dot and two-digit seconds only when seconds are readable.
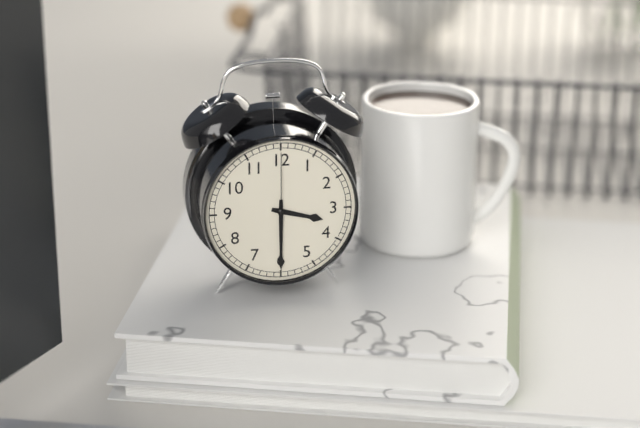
3.30.00
